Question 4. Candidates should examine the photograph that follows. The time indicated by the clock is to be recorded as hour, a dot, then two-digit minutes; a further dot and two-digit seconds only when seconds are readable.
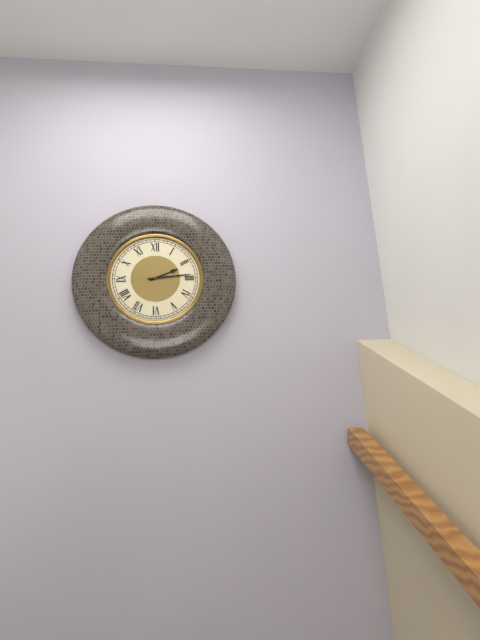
2.14
